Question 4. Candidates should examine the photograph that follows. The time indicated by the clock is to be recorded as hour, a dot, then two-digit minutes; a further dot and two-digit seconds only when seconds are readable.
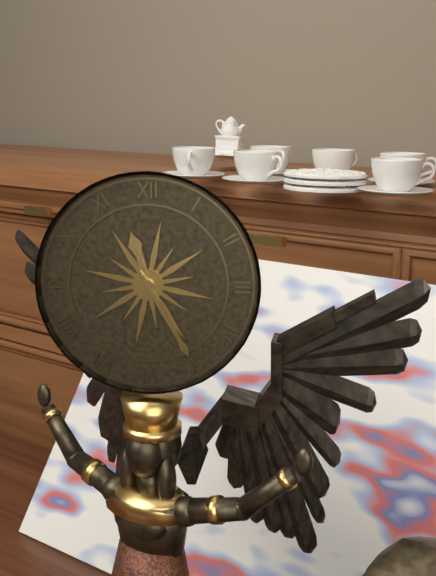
11.25
